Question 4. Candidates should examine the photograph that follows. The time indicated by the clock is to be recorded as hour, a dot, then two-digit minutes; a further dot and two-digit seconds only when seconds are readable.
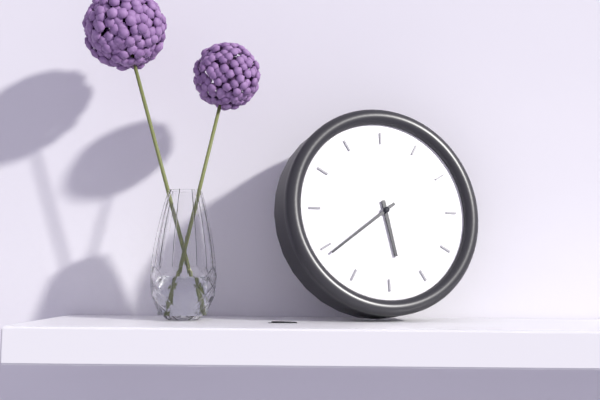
5.39
